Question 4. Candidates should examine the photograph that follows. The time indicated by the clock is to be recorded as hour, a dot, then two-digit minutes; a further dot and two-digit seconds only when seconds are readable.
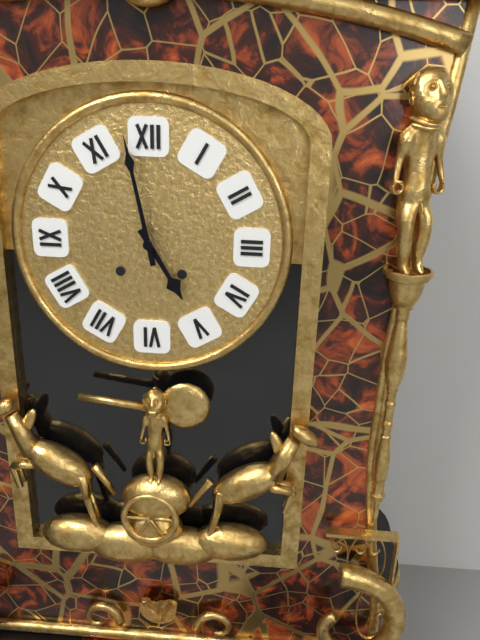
4.58
